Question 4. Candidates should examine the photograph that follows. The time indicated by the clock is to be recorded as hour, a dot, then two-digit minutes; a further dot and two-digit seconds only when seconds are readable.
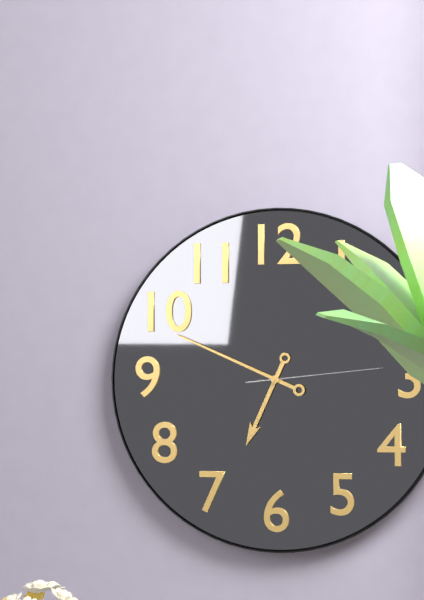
6.49.14
